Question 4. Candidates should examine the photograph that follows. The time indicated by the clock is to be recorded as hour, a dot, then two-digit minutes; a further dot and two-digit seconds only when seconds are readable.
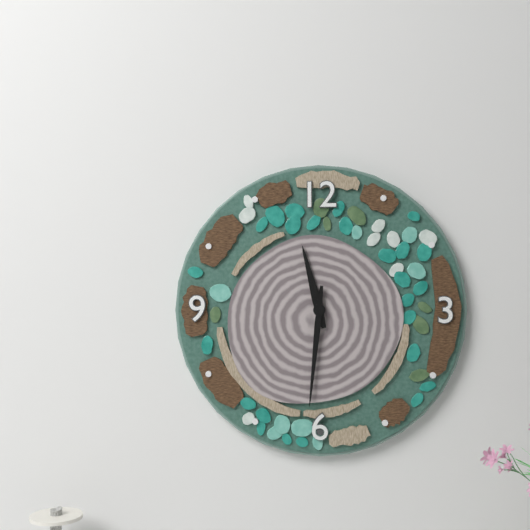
11.31
